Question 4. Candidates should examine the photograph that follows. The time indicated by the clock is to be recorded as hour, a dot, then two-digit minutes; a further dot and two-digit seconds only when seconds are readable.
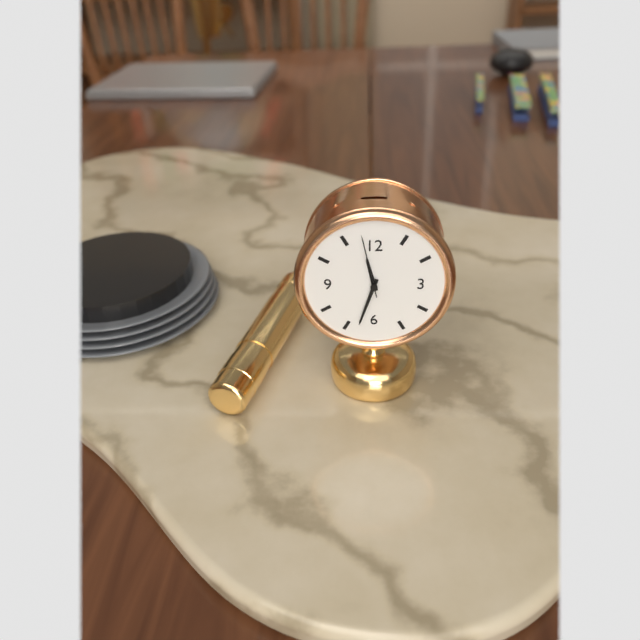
11.33.58
